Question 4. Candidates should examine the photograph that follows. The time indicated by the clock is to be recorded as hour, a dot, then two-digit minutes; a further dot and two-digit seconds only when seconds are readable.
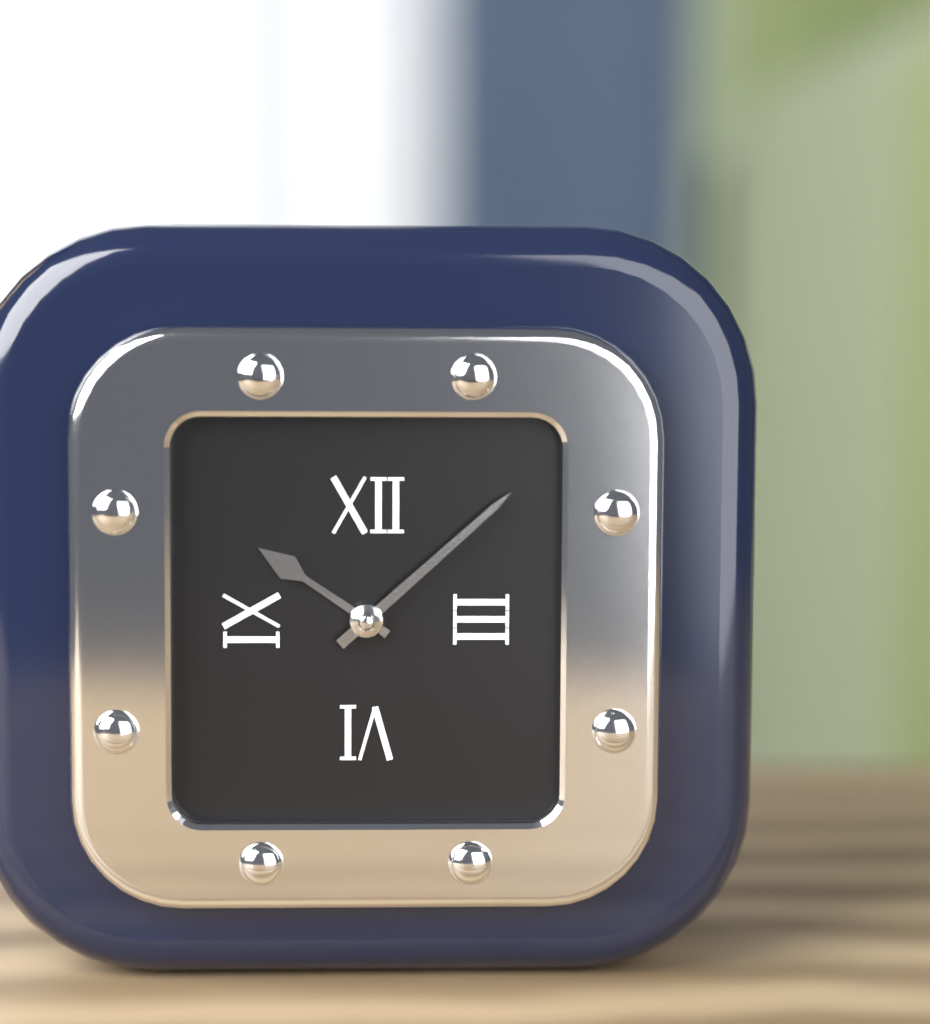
10.08
